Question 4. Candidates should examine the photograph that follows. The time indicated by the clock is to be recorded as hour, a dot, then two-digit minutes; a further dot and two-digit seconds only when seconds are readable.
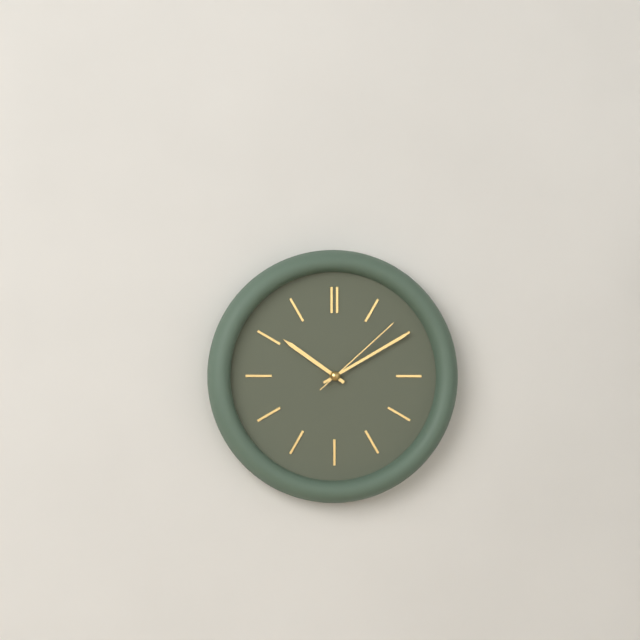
10.10.08
